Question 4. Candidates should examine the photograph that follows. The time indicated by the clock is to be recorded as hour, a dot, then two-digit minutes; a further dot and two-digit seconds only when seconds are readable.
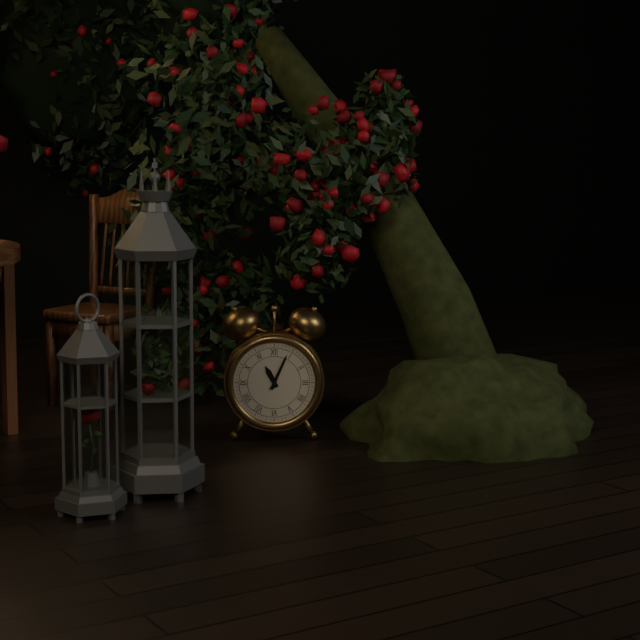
11.04
